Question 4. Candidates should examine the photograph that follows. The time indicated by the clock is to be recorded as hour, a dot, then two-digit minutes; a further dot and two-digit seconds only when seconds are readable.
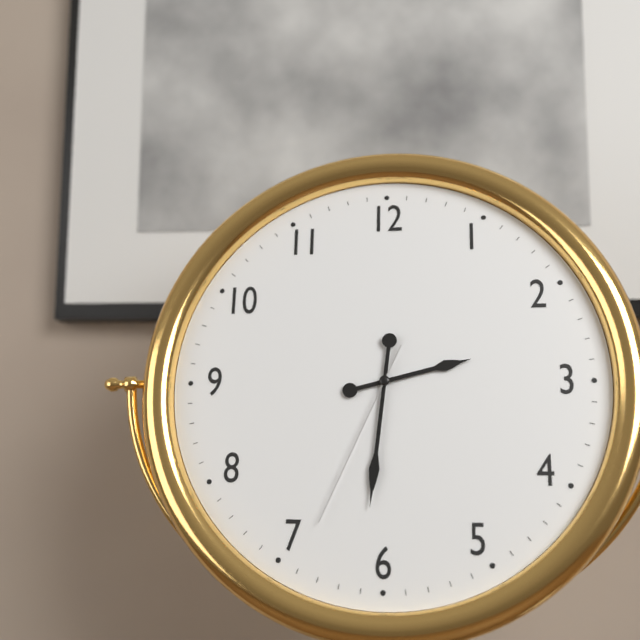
2.31.34
